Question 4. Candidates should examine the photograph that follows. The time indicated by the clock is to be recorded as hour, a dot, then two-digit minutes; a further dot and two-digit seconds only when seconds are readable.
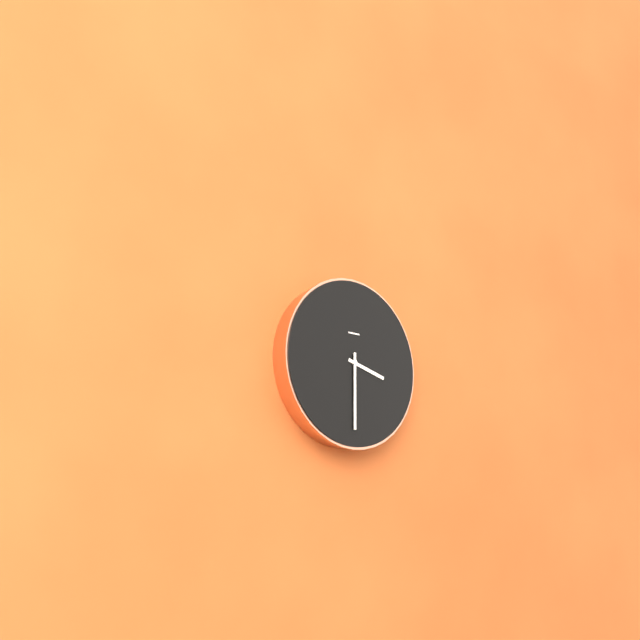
3.30
